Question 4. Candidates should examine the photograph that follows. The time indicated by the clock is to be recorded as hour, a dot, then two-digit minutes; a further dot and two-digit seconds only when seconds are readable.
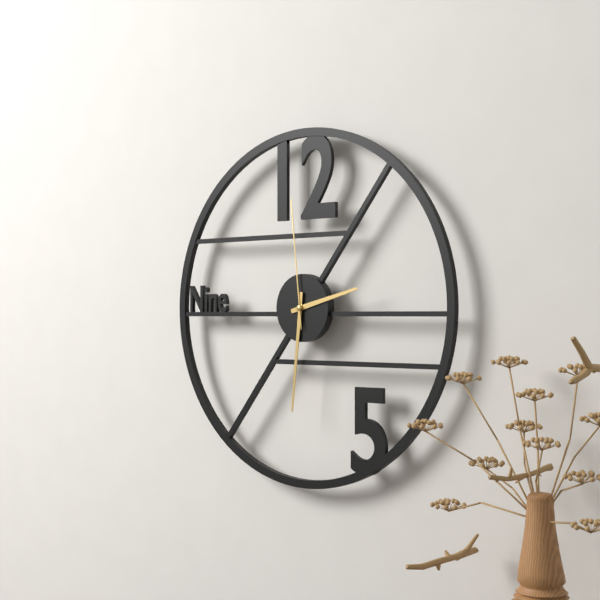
2.31.59
